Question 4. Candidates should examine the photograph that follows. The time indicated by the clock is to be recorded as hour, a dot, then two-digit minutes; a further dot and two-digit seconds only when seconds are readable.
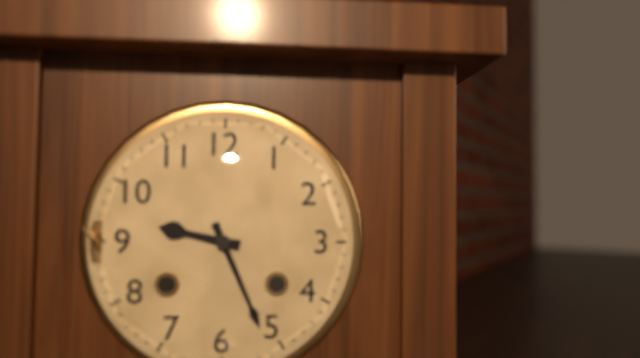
9.26
